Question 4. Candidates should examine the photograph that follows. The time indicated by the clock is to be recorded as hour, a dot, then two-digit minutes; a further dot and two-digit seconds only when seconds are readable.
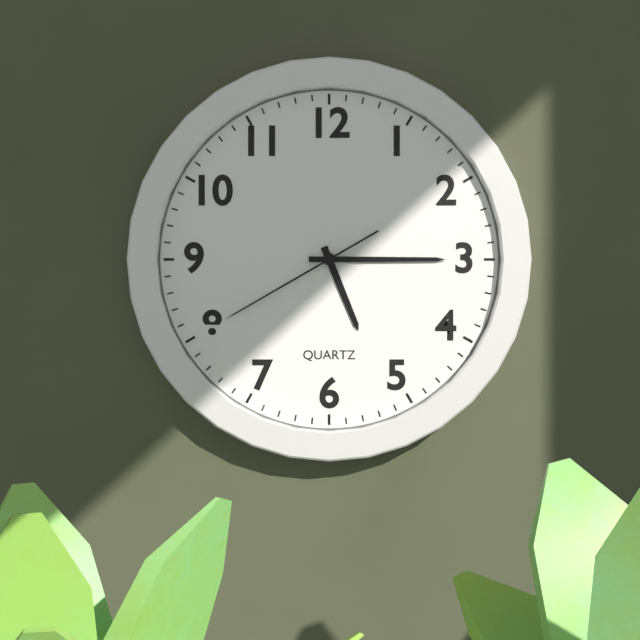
5.15.40
